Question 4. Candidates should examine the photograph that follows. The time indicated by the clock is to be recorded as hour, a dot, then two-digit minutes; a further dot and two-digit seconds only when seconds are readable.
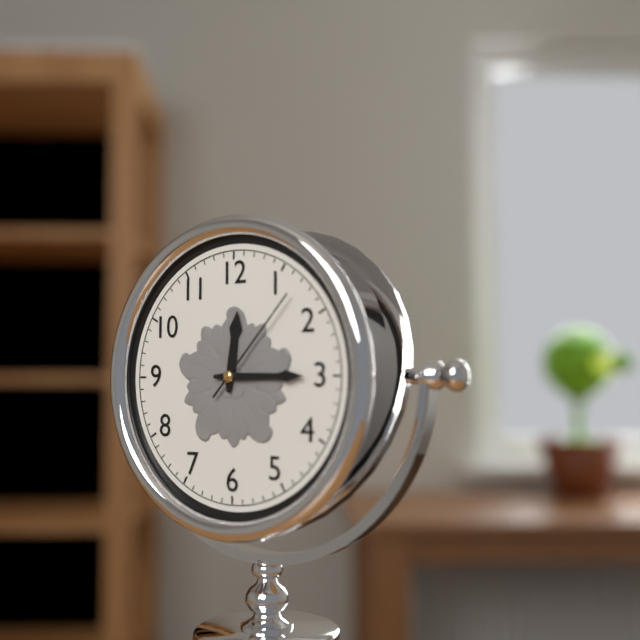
12.15.07
